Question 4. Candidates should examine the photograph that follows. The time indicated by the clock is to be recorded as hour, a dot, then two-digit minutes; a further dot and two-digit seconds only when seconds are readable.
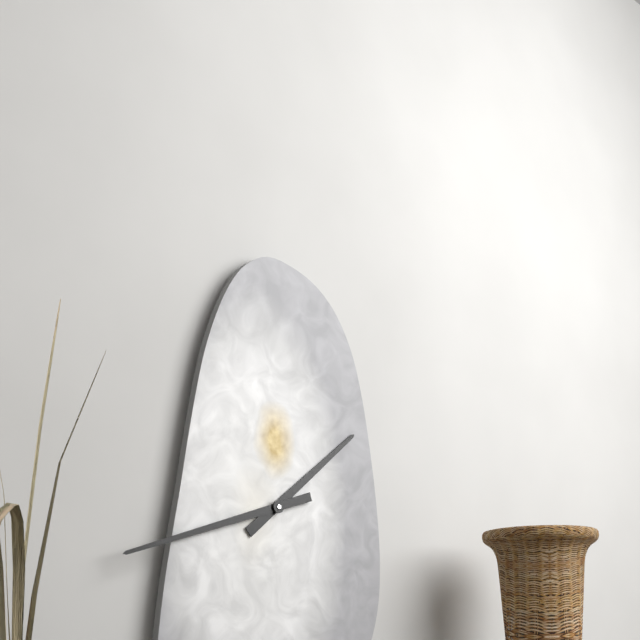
1.42
